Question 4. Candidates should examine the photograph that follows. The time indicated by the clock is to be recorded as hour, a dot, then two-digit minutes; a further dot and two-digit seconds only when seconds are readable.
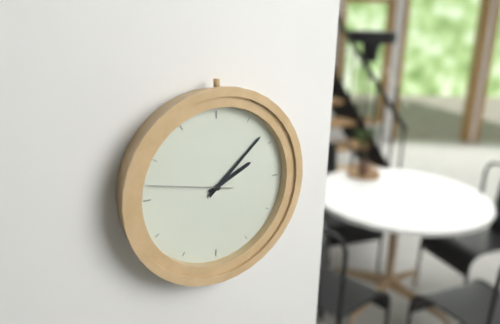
2.08.47
